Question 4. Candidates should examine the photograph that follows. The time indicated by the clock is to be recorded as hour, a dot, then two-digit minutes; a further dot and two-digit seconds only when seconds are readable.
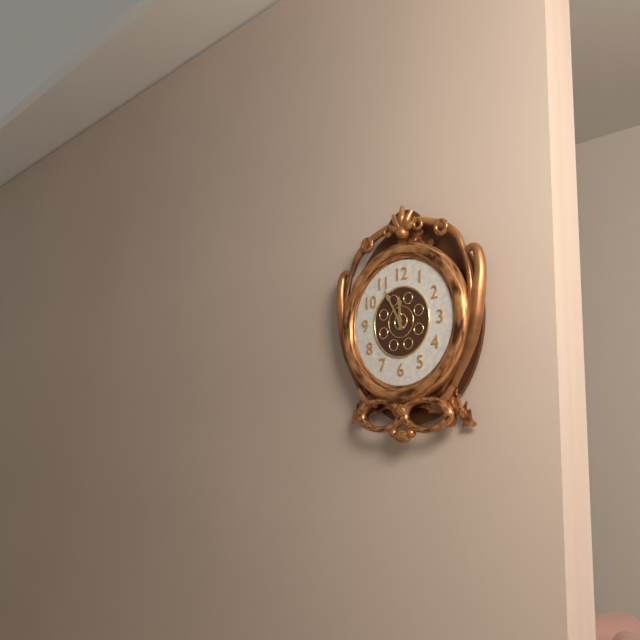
11.55
